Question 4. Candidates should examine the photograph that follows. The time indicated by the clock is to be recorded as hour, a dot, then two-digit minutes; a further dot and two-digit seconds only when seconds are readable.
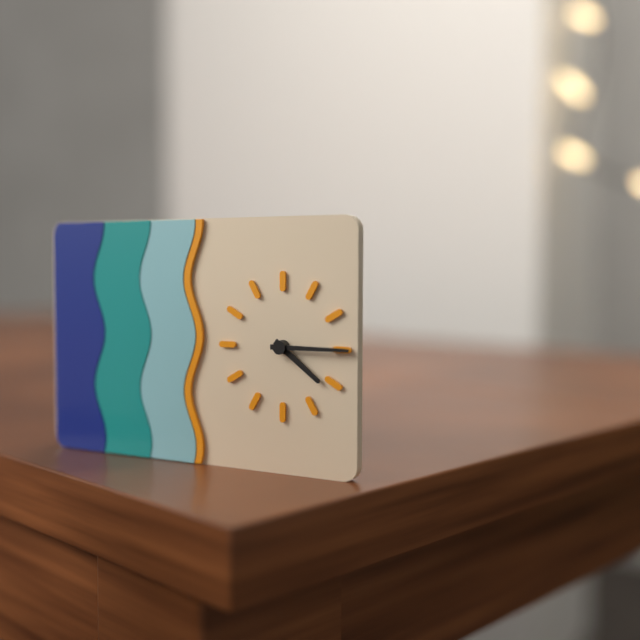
4.15
